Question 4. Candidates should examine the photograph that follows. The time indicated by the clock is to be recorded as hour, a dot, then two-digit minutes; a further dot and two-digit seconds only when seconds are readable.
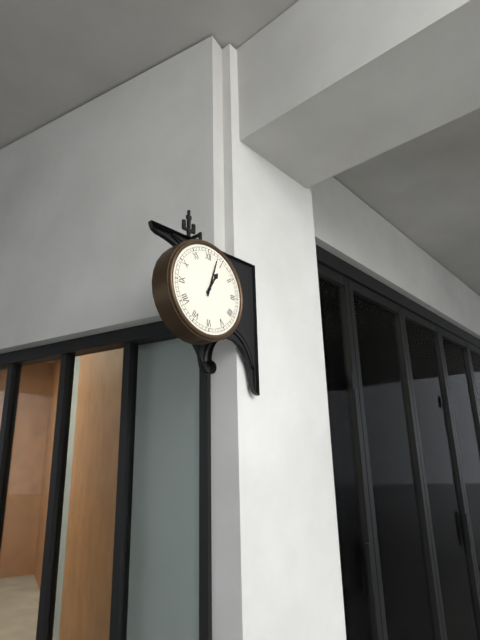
1.03
